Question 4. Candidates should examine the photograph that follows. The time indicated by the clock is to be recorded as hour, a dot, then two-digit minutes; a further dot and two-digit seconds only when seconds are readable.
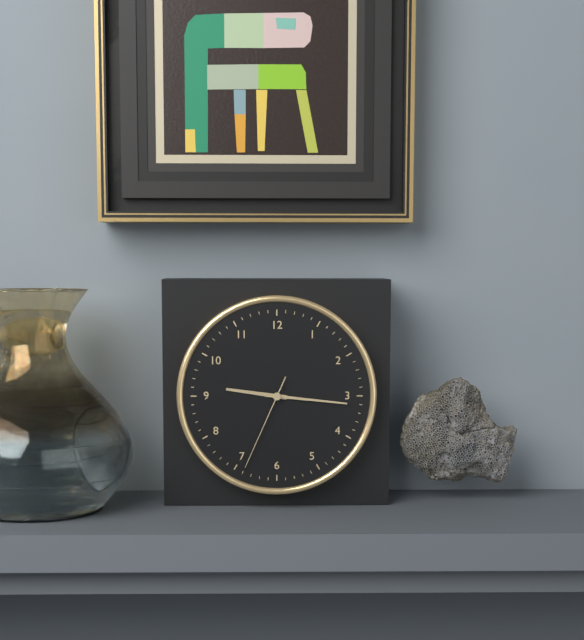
9.16.34
